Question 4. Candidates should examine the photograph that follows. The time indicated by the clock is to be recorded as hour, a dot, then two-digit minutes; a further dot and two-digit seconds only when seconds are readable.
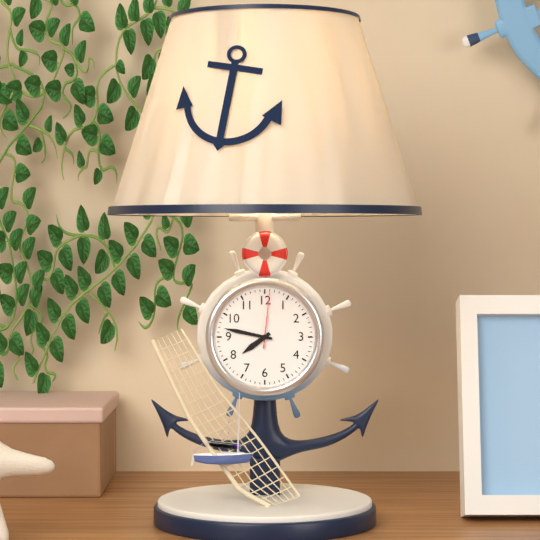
7.47.01
